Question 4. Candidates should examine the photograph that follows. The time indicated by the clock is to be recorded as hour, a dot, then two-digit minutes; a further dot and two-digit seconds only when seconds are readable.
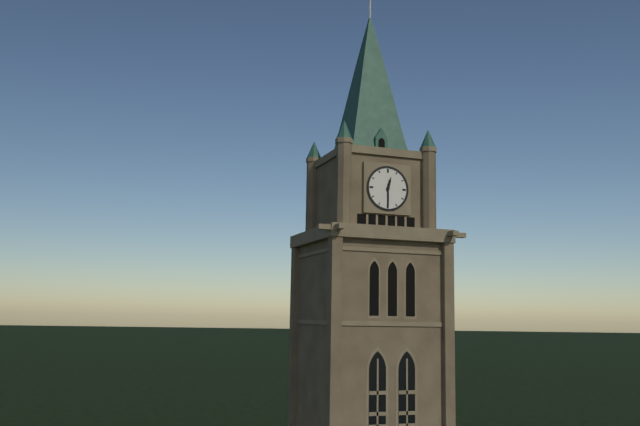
12.30
